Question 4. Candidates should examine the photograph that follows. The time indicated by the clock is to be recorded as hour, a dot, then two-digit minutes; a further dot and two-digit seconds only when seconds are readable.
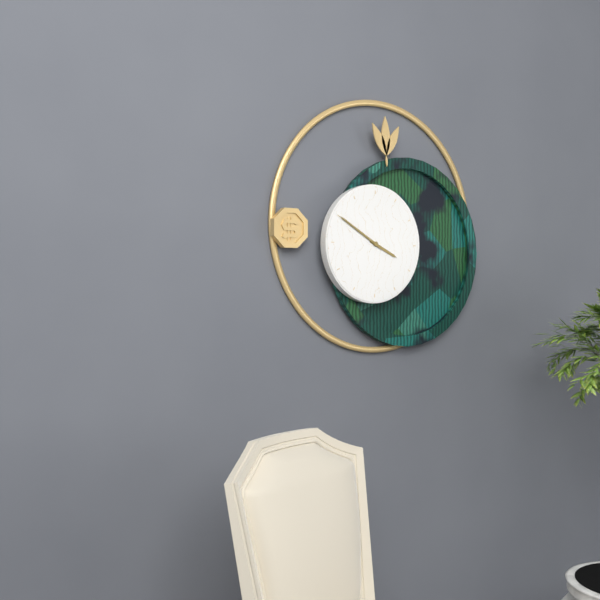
3.50
